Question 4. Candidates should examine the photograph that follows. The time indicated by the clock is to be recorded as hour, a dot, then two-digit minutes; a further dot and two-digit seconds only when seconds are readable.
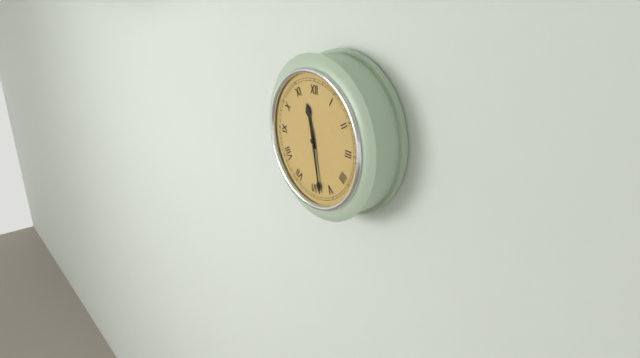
11.28
